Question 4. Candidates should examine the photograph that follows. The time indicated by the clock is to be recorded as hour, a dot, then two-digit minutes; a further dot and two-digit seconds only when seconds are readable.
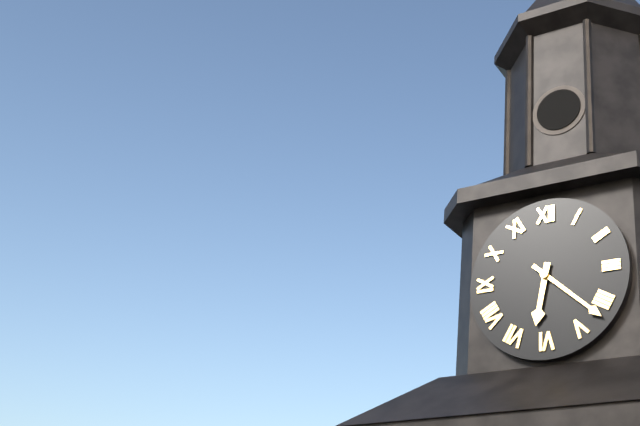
6.22
